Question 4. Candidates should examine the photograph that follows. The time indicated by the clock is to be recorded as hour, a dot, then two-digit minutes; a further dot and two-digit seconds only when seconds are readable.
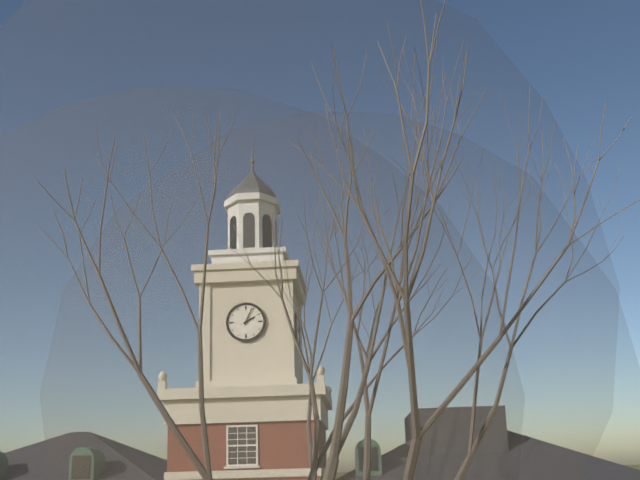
2.04
